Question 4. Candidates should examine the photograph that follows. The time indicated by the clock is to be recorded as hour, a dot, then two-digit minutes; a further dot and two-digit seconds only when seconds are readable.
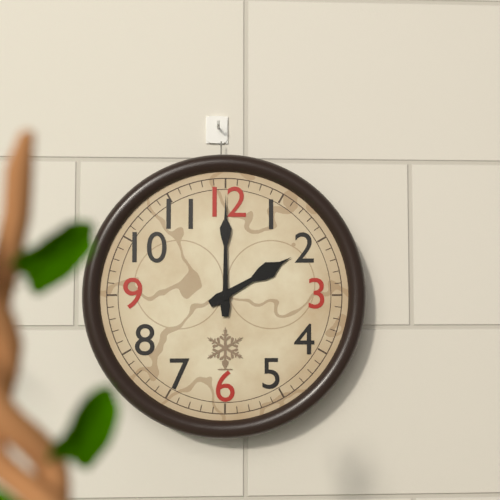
2.00
